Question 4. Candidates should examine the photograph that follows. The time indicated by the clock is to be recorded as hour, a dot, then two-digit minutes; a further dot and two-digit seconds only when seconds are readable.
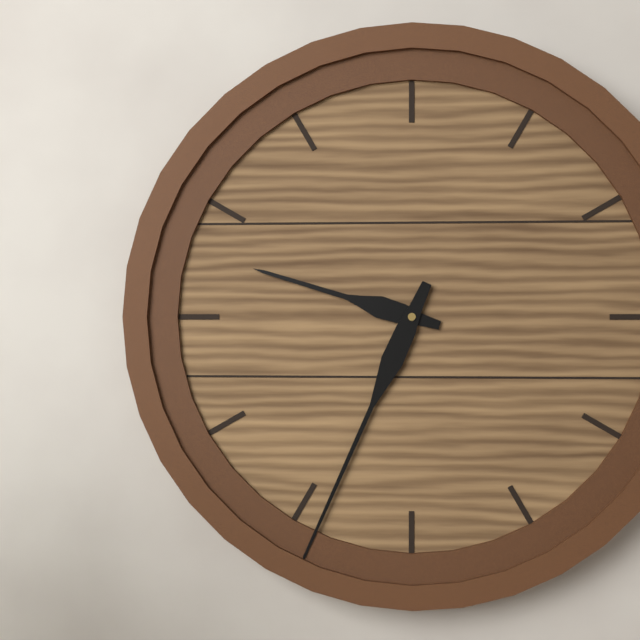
9.34
